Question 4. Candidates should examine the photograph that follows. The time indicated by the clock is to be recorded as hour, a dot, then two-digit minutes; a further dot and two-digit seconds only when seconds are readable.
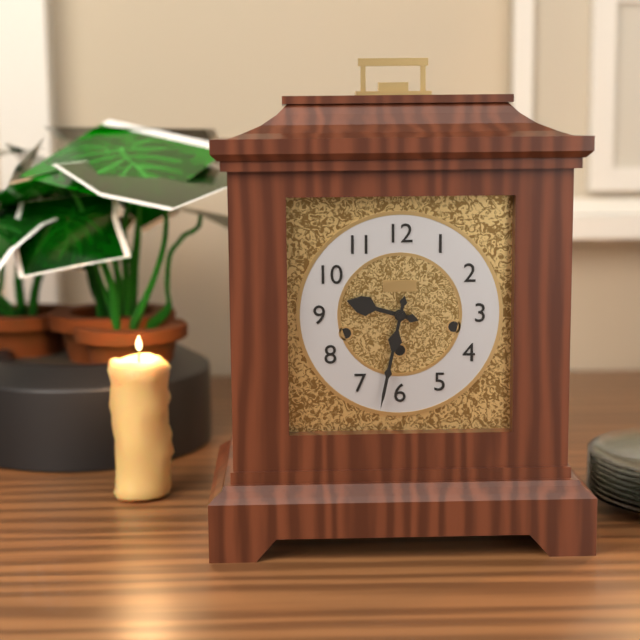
9.32
